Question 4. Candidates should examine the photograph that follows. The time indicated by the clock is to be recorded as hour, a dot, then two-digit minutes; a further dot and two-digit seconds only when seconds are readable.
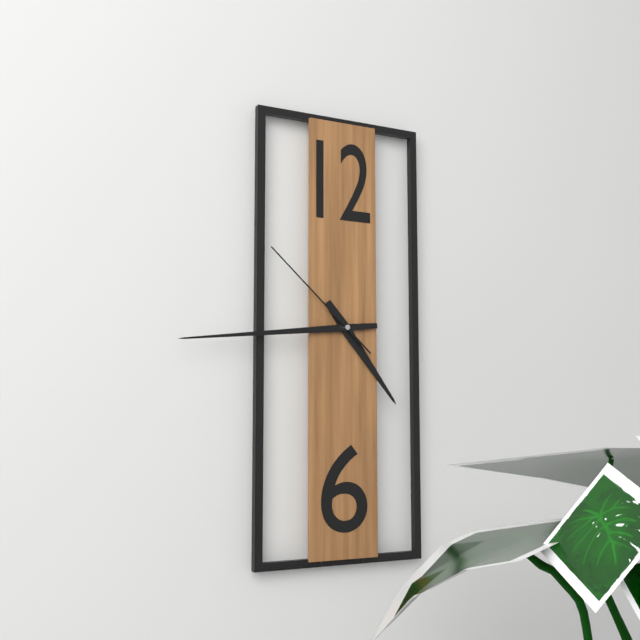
4.44.52
